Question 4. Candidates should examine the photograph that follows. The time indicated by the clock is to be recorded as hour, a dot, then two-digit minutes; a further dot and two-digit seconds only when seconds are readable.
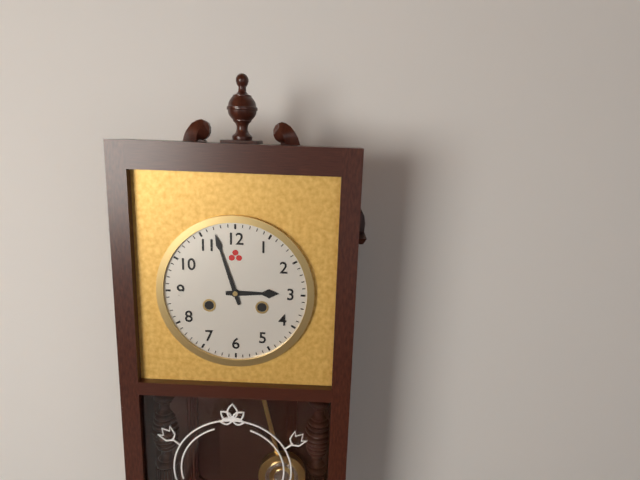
2.57
